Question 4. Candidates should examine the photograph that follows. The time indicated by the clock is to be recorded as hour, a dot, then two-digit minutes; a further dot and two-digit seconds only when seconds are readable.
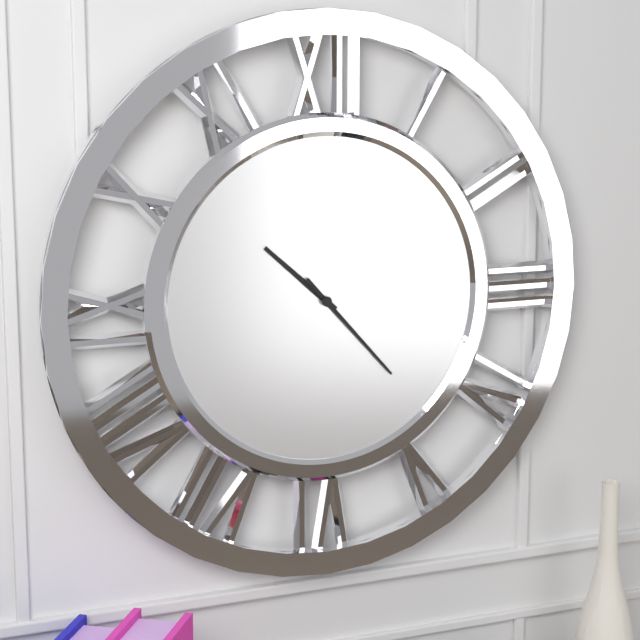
10.23
